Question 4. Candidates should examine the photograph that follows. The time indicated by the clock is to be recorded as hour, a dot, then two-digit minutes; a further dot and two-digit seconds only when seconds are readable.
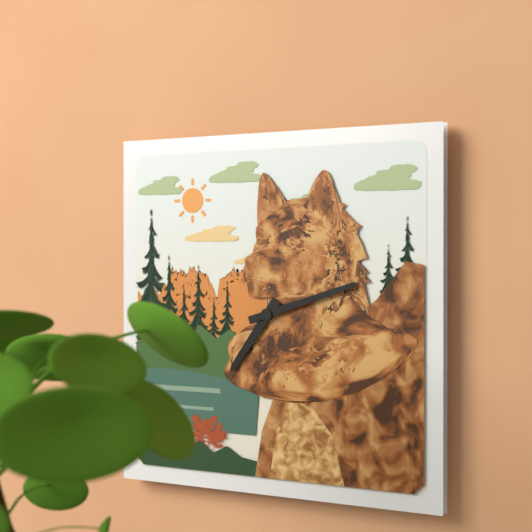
7.12
